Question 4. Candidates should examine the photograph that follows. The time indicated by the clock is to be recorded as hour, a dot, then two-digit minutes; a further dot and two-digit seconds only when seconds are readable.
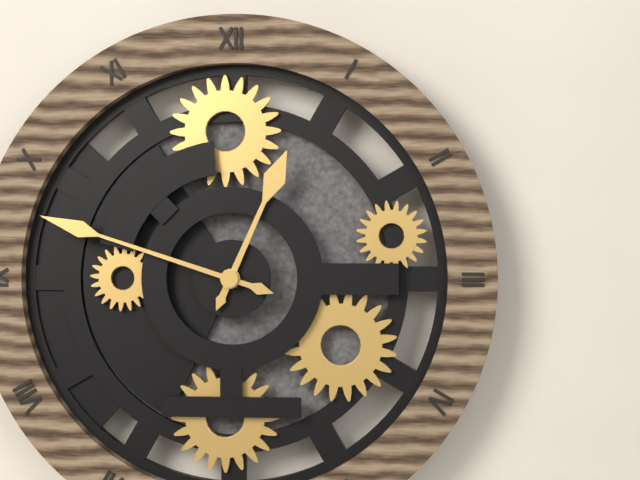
12.48
